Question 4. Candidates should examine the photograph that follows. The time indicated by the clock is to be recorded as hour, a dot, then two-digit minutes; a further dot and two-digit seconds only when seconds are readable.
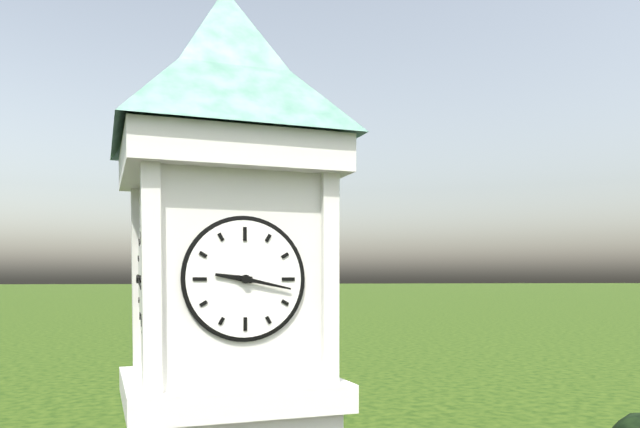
9.17
